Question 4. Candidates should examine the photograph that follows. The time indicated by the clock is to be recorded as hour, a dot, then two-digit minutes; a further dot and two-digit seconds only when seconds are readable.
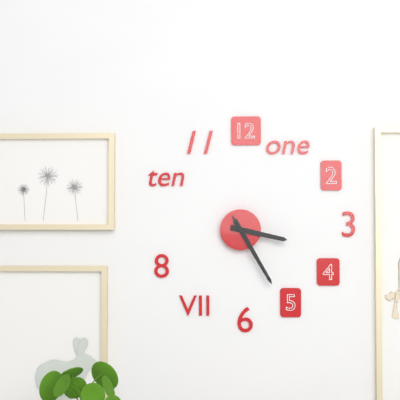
3.25.25
